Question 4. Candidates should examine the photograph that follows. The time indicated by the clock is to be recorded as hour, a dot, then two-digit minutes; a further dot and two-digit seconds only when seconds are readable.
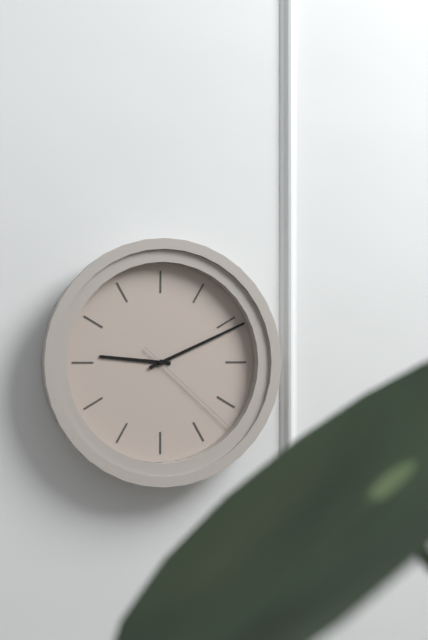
9.11.22
